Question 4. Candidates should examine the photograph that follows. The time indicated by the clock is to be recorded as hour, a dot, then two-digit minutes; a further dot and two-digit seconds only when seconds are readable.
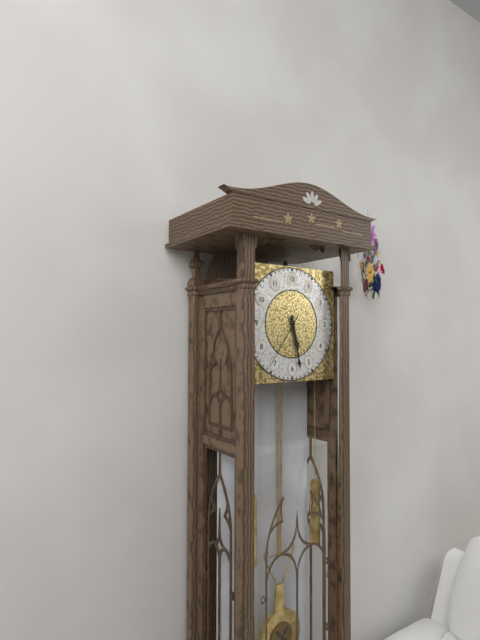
5.28.36
